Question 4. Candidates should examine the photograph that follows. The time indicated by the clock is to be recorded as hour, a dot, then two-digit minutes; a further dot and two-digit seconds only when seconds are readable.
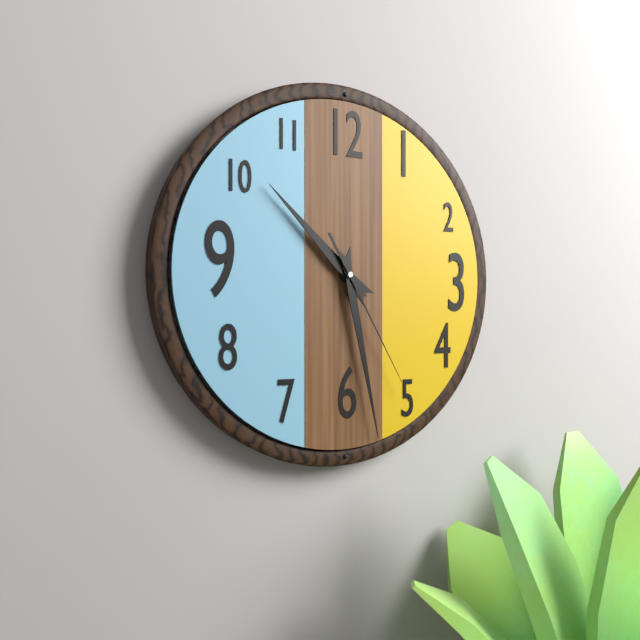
10.28.25
